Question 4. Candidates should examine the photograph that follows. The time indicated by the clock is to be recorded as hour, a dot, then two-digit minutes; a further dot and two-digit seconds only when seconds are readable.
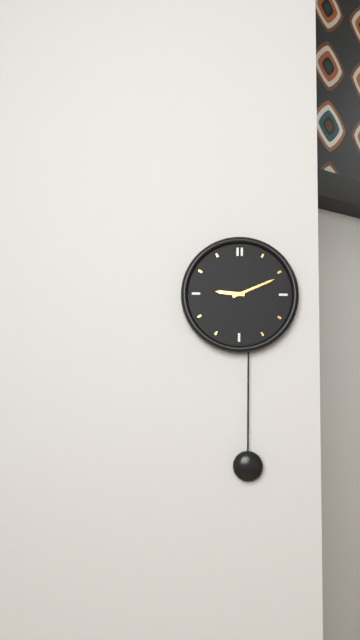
9.11
